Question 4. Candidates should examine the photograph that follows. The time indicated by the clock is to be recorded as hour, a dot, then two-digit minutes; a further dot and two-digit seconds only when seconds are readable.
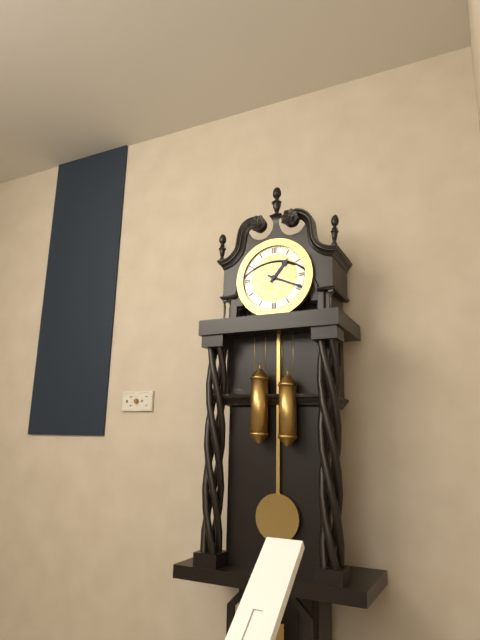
1.19
